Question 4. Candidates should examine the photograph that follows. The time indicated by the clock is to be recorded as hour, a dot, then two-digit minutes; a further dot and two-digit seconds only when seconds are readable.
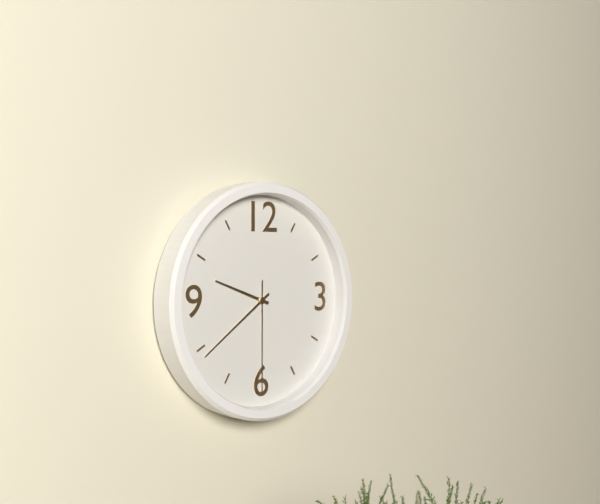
9.39.30
